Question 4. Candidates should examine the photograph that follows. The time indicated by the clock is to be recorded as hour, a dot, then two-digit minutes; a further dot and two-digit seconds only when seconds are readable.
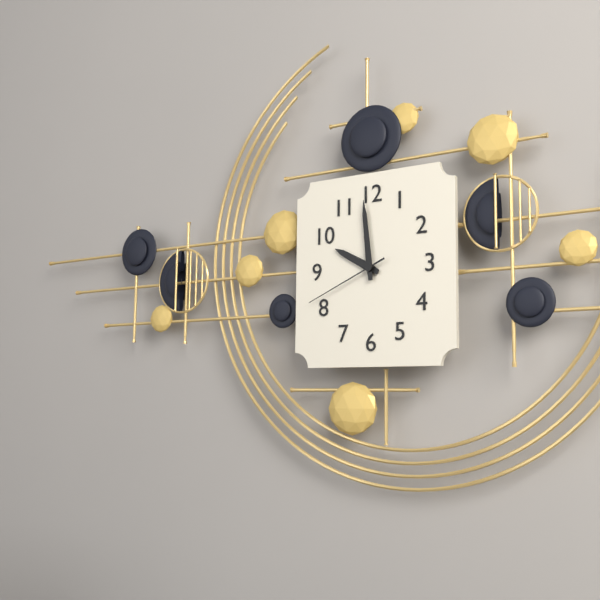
9.59.41
